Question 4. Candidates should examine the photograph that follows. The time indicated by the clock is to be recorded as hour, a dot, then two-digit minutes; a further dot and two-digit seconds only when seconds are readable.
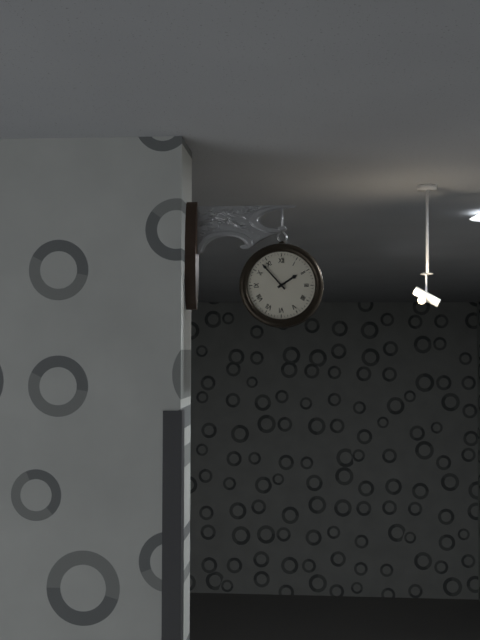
1.53
